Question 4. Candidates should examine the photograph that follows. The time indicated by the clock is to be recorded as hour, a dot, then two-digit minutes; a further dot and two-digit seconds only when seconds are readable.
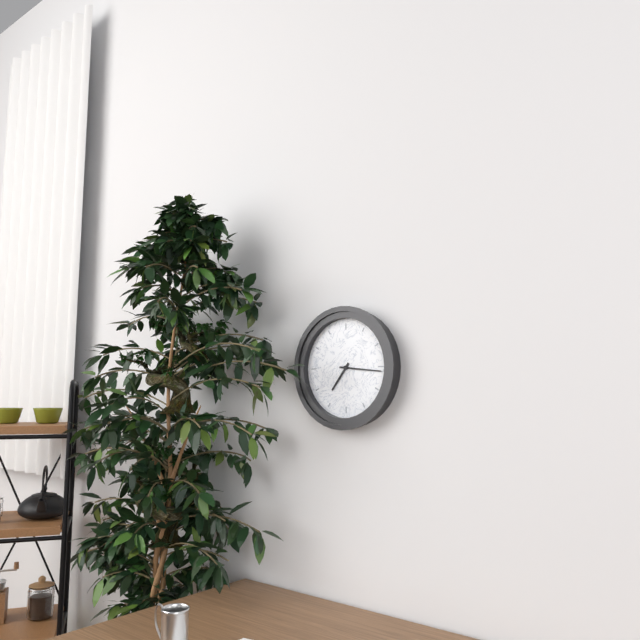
7.16
